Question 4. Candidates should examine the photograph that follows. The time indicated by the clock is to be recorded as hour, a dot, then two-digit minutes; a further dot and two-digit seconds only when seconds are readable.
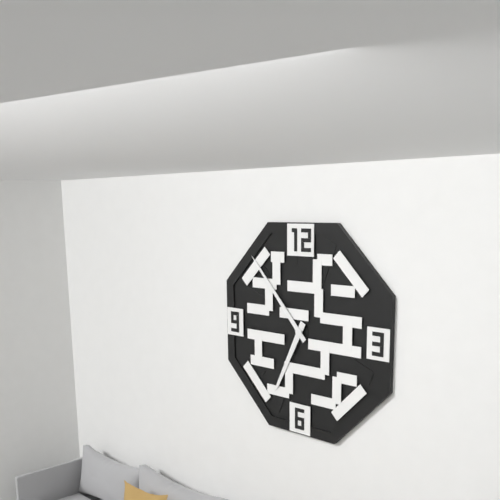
6.53
